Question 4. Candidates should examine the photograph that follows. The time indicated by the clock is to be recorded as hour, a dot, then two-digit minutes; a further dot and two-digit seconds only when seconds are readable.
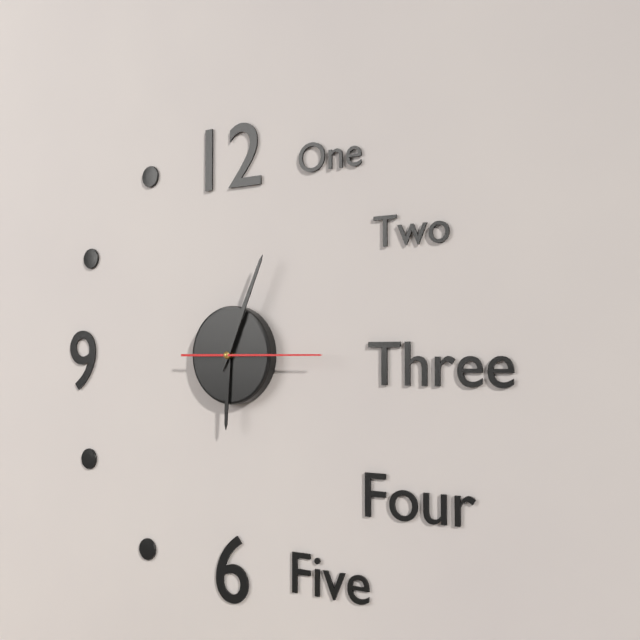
6.04.15
